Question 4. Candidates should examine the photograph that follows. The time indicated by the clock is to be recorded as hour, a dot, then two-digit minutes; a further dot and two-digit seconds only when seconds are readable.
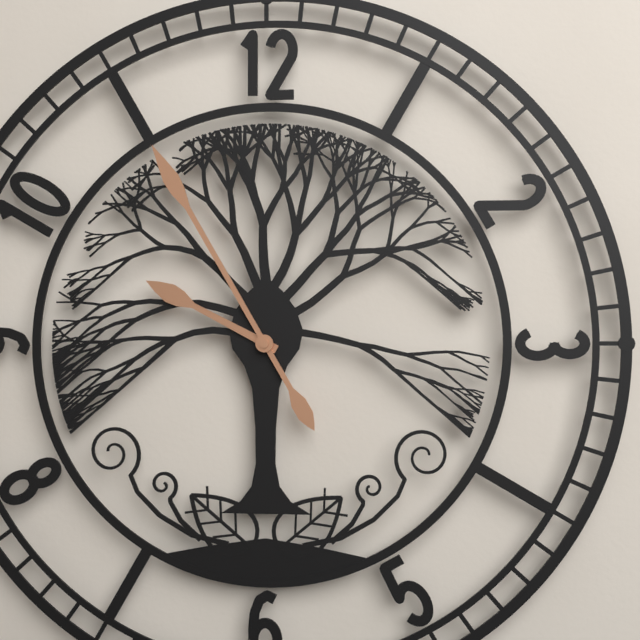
9.55
